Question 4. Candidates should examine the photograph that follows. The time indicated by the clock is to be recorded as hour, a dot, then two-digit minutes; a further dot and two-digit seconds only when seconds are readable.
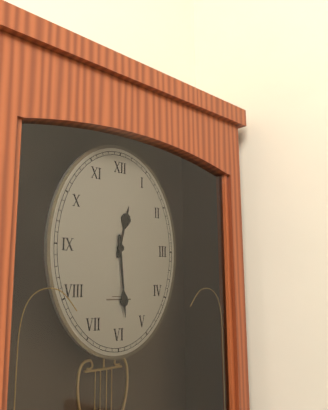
12.29
